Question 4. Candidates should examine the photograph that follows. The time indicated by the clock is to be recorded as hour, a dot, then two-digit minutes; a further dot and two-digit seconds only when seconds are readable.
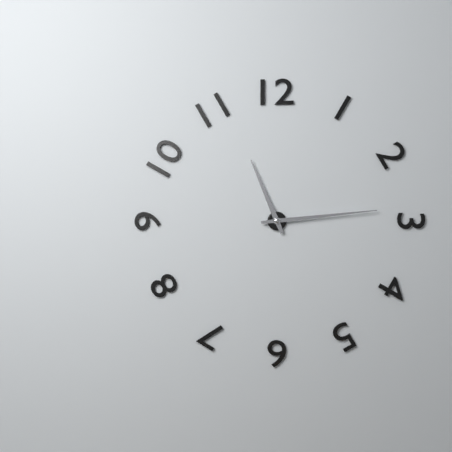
11.14
